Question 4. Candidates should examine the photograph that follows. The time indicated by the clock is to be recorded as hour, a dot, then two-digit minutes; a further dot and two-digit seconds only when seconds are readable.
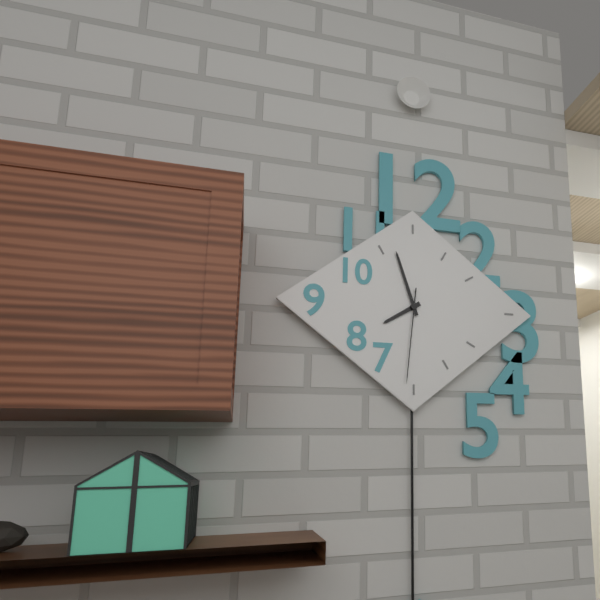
7.57.31
